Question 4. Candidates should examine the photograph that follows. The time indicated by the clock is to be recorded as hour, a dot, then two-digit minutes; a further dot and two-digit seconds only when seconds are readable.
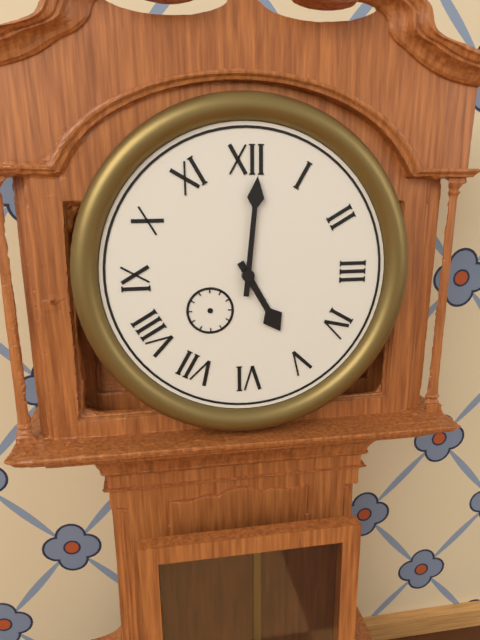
5.01
